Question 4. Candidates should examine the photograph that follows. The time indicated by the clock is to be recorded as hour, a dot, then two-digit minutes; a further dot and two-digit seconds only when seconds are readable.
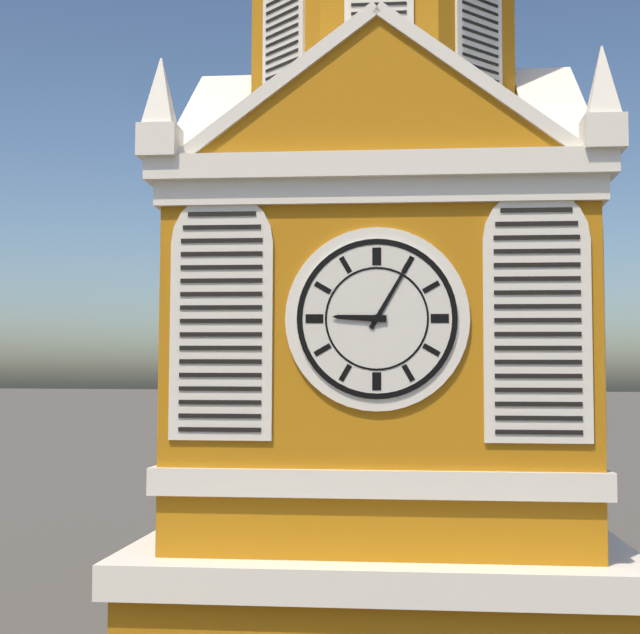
9.05
